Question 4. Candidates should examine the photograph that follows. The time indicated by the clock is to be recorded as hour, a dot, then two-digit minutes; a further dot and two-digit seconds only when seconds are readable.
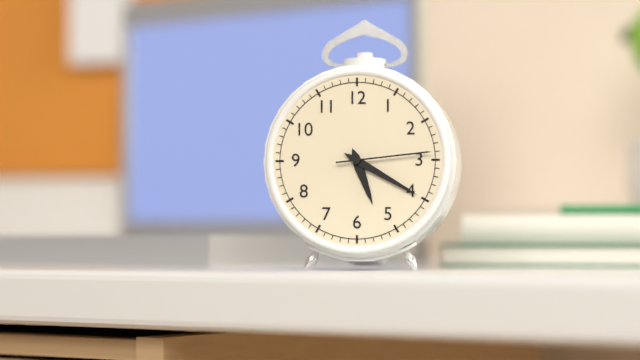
5.20.14
